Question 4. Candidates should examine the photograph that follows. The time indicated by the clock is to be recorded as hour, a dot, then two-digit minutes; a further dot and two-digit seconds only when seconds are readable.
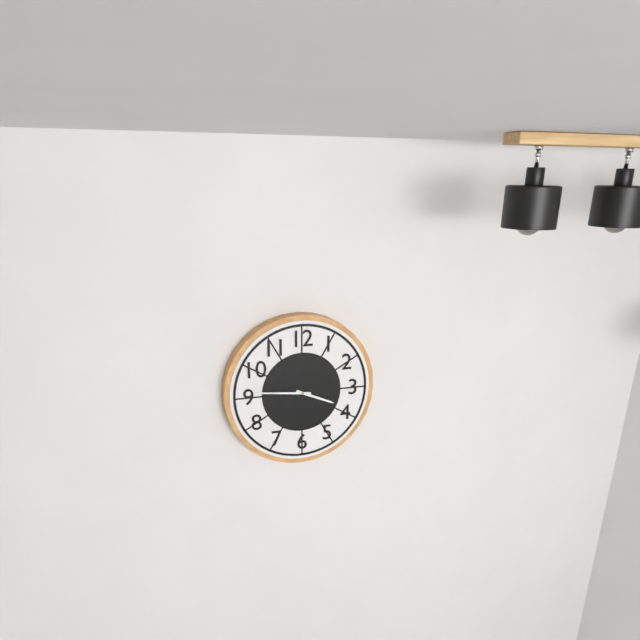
3.46
